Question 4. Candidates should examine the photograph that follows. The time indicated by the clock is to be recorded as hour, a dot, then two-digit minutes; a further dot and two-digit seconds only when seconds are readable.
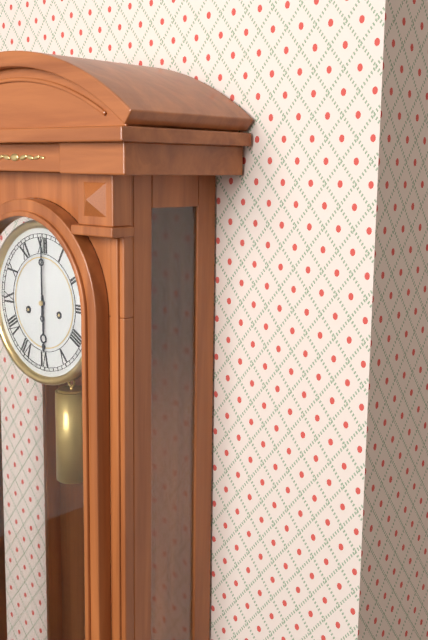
6.00
